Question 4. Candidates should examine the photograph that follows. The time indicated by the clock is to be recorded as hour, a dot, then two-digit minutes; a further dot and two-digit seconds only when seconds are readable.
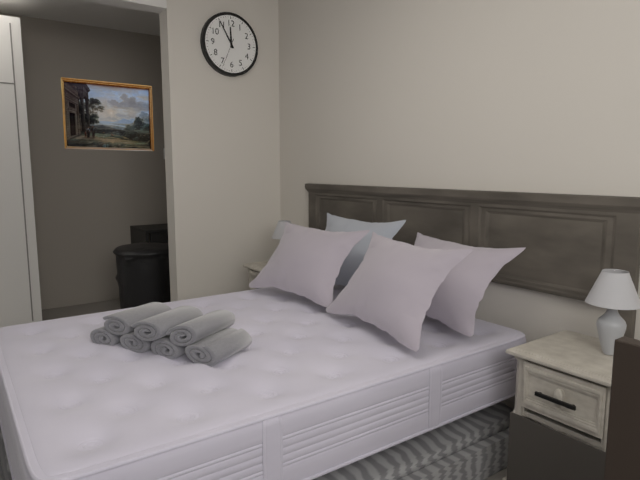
11.55
